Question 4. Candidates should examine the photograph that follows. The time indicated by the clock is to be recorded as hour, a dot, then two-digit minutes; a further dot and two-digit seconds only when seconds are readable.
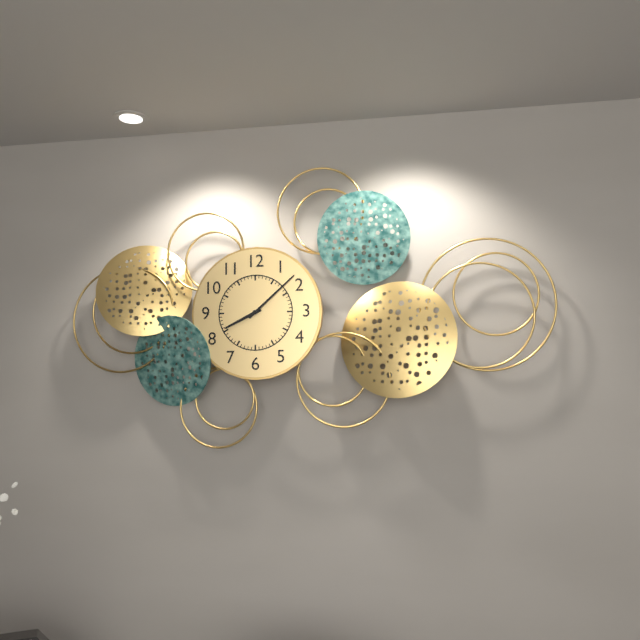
8.08
